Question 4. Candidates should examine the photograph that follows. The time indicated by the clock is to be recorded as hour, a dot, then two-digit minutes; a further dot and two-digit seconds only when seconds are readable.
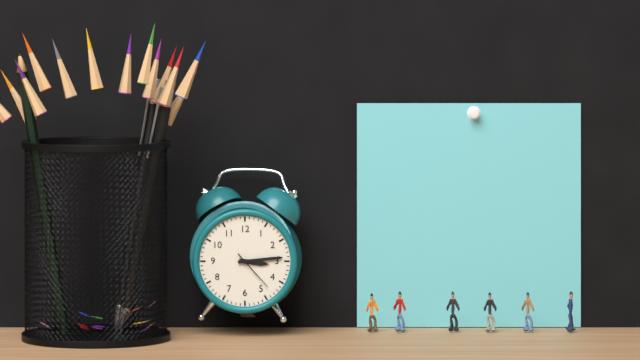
3.14
